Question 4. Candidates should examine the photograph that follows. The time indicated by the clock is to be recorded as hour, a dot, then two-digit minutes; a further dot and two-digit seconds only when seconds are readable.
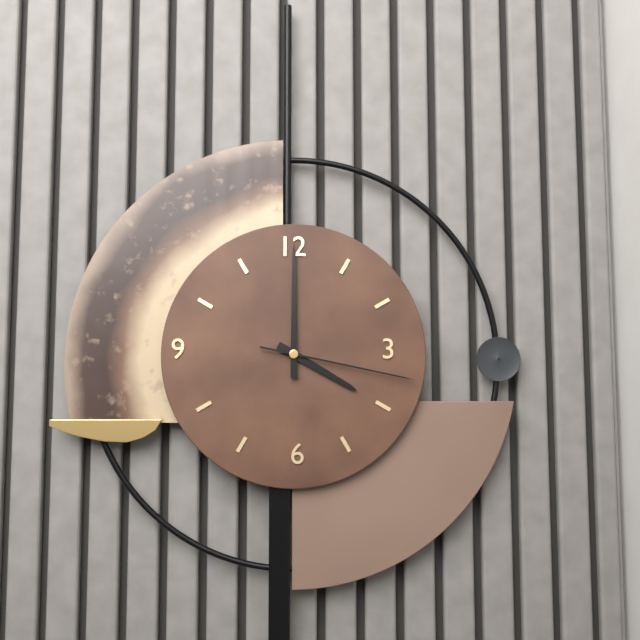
4.00.17
